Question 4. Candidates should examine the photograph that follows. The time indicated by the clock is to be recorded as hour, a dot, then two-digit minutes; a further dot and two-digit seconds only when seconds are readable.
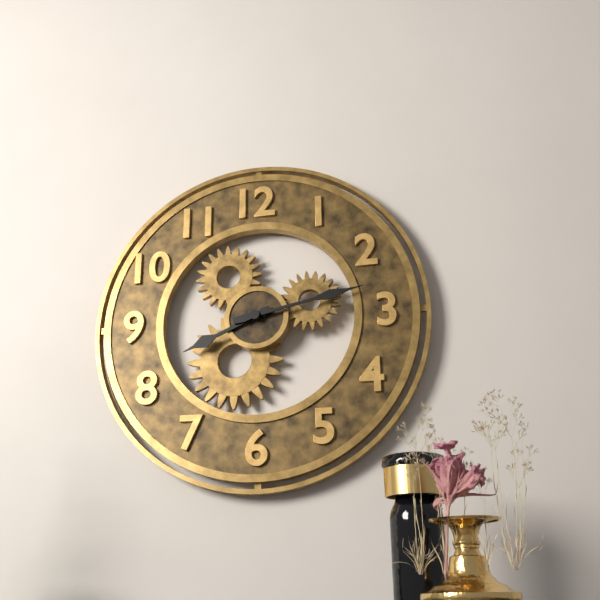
8.13
